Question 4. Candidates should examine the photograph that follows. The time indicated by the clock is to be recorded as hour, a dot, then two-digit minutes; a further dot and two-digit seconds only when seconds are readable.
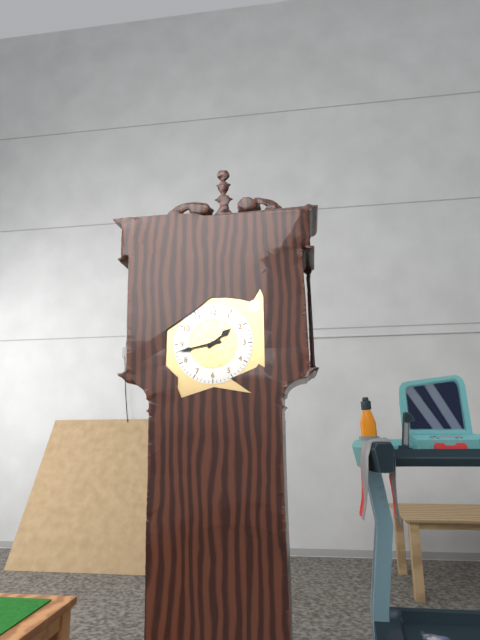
1.43
